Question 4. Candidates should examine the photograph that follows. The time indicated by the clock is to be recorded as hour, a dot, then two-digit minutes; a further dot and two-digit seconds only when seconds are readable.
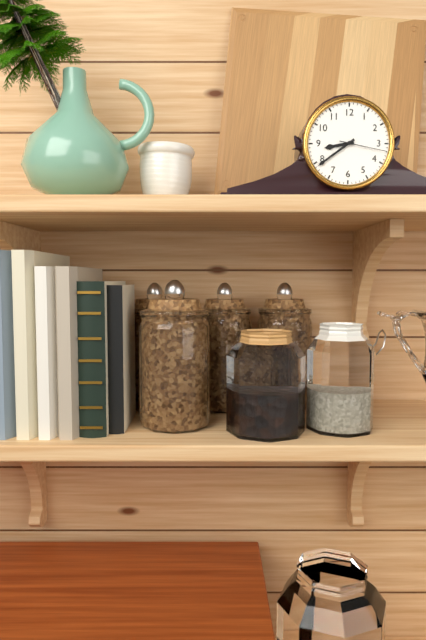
8.39
